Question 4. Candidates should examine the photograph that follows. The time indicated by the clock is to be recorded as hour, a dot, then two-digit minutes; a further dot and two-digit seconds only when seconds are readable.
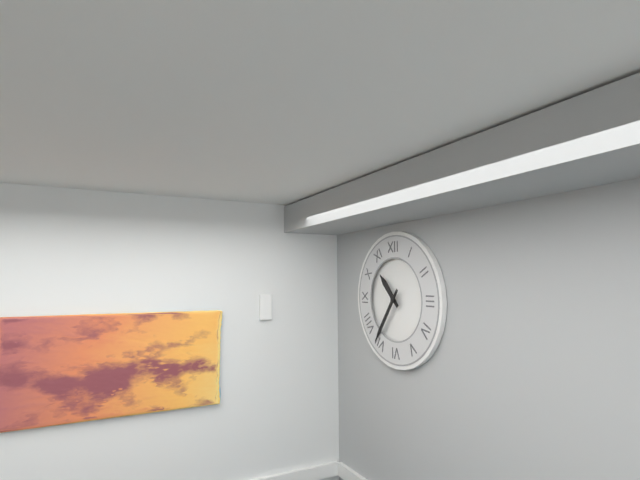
10.36
